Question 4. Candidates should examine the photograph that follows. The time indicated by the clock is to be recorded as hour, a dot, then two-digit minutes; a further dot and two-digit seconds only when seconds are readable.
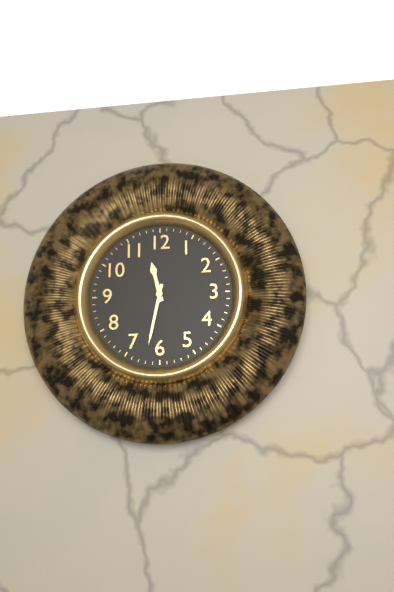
11.32
